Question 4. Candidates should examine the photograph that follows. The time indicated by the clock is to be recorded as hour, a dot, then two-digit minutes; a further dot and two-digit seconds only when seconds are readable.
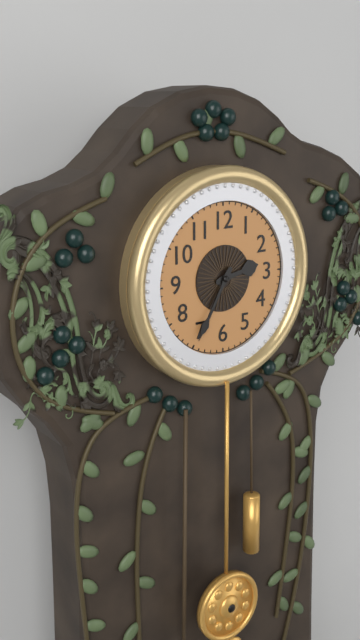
2.35
